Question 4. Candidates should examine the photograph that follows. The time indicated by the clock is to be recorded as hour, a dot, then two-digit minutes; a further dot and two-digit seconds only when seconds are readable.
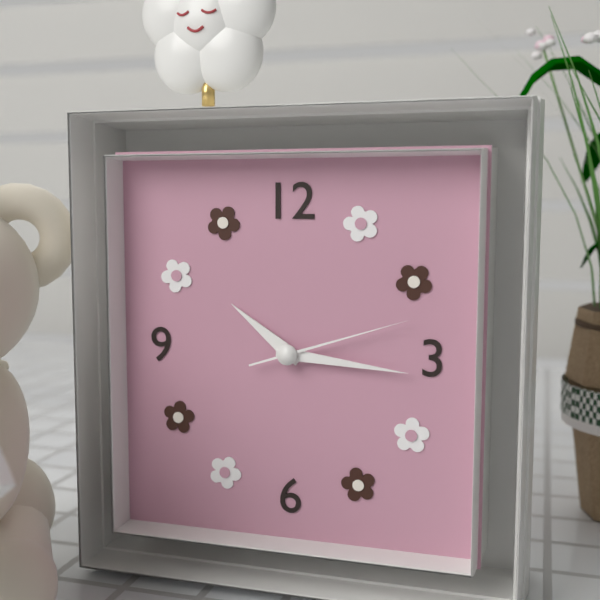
10.16.12
